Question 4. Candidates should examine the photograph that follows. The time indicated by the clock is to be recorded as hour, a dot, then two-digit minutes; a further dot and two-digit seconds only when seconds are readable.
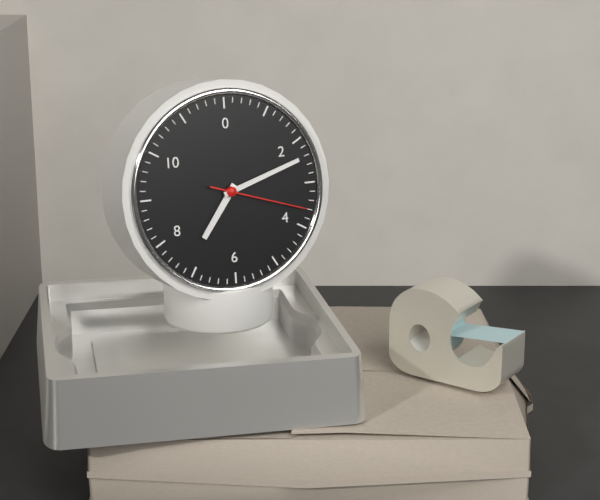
7.12.18
